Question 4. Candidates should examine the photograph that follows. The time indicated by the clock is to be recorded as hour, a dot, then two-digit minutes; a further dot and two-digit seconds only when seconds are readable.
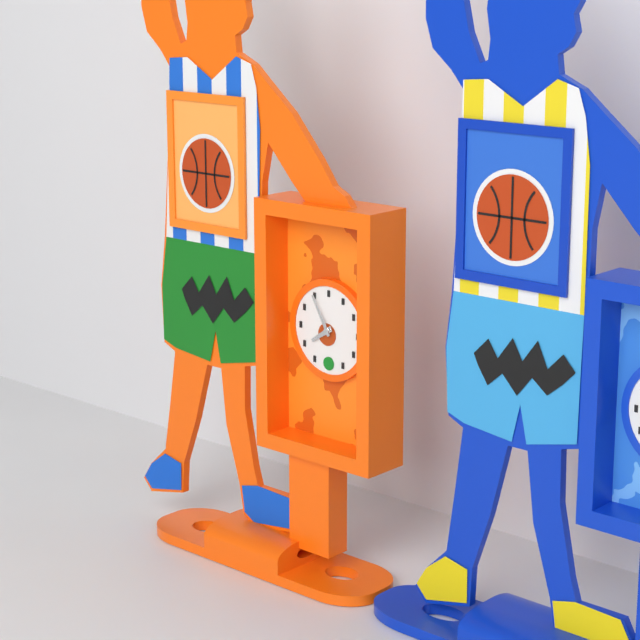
7.55
